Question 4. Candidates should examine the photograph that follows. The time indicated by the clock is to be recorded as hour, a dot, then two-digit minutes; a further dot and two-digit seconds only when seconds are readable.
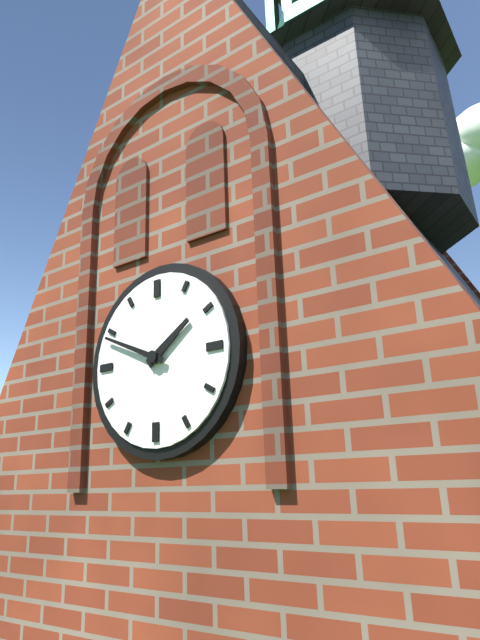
1.49
